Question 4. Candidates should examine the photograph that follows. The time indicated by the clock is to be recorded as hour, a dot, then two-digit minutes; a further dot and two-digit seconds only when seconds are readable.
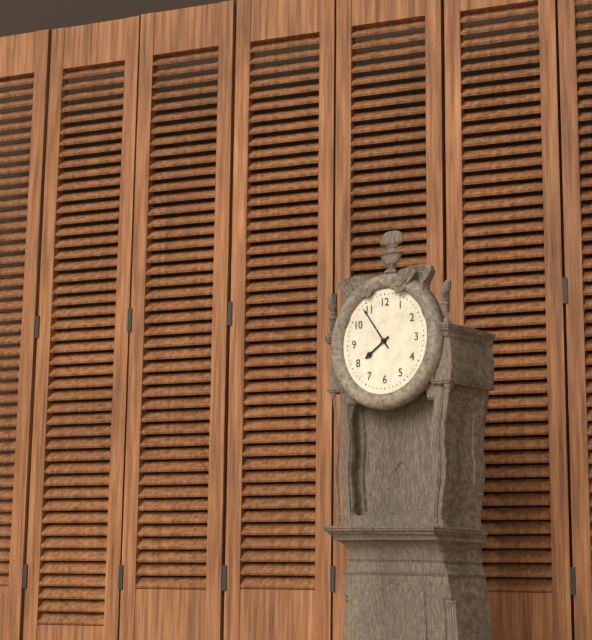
7.54
